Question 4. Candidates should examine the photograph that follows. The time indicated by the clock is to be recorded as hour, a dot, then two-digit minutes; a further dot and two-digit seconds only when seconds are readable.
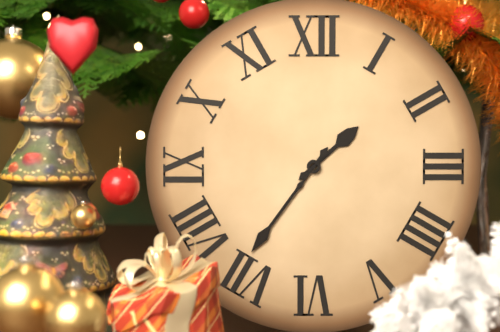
1.36
